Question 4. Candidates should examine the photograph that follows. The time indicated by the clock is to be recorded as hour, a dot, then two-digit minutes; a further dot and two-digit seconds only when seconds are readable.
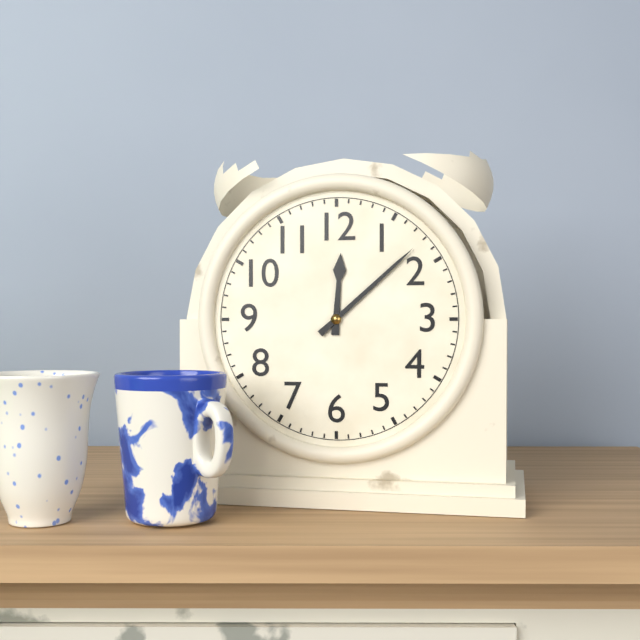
12.08
